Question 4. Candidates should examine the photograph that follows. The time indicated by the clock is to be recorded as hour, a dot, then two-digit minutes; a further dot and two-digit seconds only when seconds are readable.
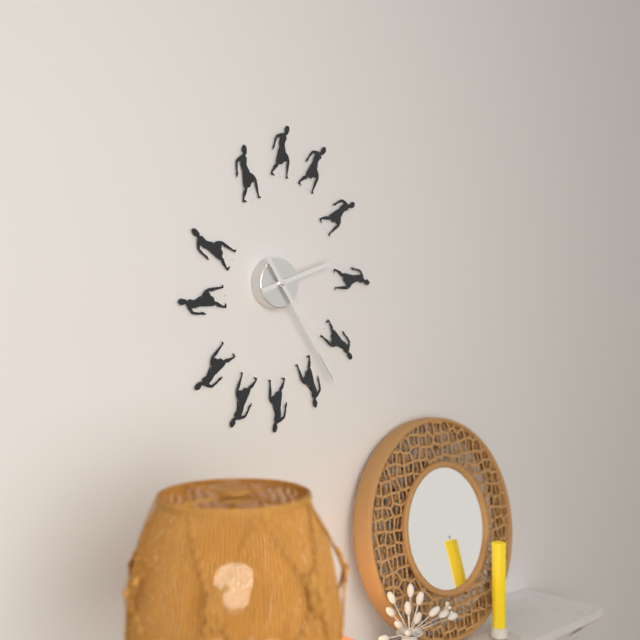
2.24
